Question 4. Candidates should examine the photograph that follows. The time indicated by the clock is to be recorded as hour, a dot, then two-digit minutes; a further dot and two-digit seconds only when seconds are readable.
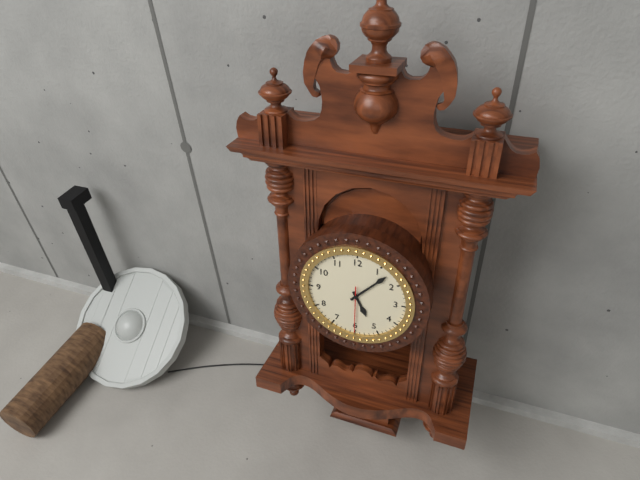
5.07
